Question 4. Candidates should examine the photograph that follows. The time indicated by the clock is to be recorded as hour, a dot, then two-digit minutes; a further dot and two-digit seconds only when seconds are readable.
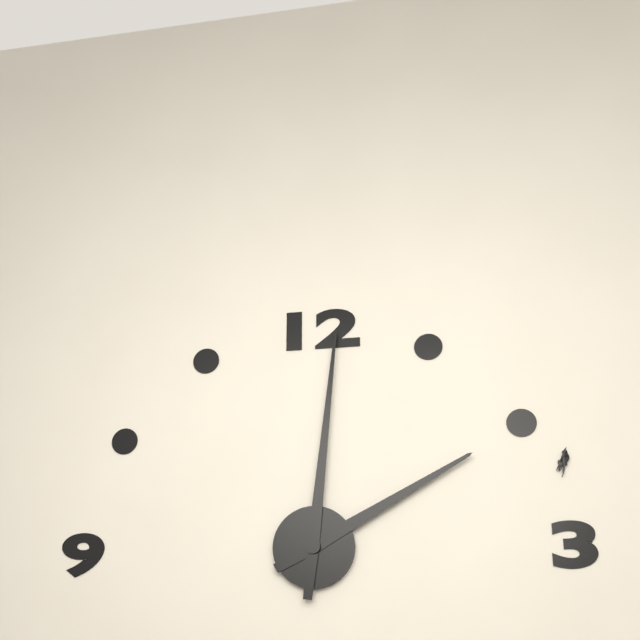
2.01
